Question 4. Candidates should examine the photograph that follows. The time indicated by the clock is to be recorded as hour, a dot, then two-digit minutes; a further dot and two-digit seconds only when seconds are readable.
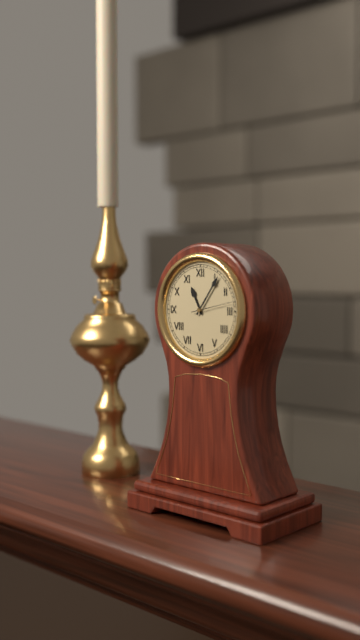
11.06
